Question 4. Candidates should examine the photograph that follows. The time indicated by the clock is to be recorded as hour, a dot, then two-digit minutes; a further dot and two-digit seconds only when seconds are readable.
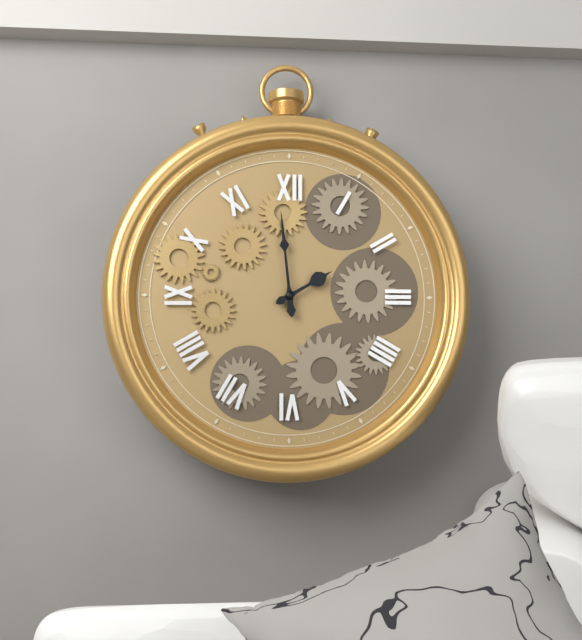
1.59
